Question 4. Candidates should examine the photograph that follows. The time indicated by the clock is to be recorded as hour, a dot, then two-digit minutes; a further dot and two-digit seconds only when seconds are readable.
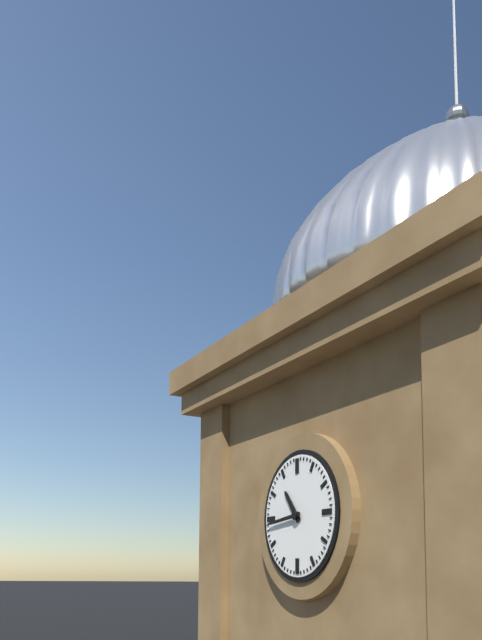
10.44
